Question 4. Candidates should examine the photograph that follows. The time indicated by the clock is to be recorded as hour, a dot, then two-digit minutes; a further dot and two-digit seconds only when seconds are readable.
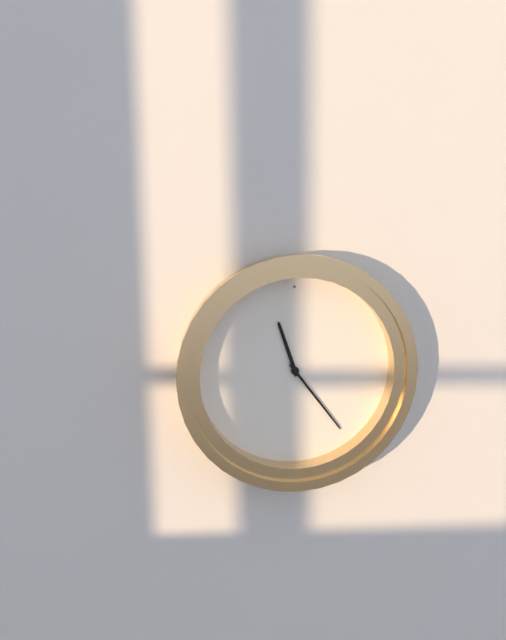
11.24
